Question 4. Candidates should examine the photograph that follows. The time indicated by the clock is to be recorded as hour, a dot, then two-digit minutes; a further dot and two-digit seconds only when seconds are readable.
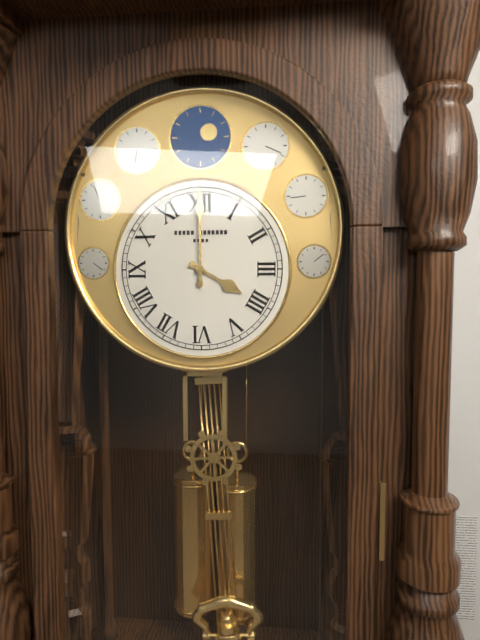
4.00
